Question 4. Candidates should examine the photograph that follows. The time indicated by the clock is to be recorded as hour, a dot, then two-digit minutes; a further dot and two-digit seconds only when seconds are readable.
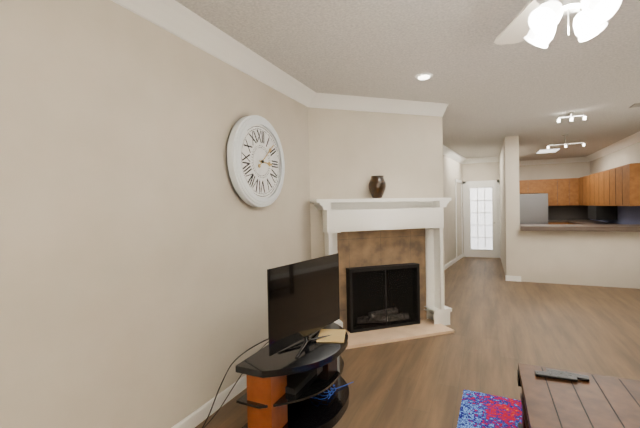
3.08
